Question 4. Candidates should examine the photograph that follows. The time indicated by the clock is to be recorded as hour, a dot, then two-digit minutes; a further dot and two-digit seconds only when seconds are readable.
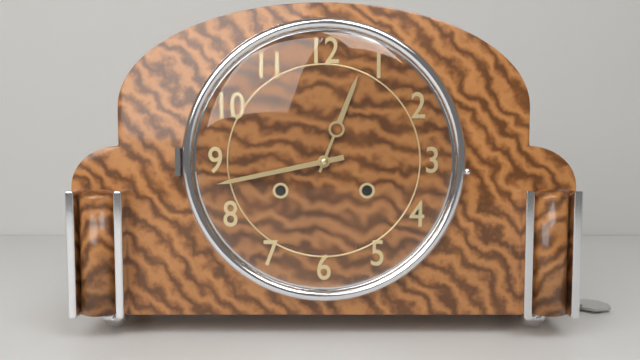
12.43
